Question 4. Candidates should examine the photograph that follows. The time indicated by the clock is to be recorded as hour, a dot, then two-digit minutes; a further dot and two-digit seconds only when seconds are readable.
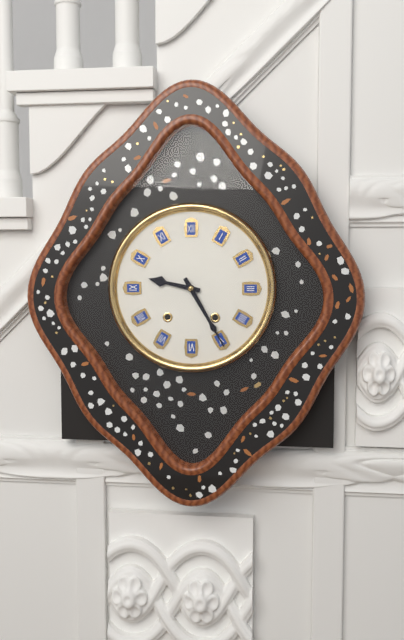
9.25
